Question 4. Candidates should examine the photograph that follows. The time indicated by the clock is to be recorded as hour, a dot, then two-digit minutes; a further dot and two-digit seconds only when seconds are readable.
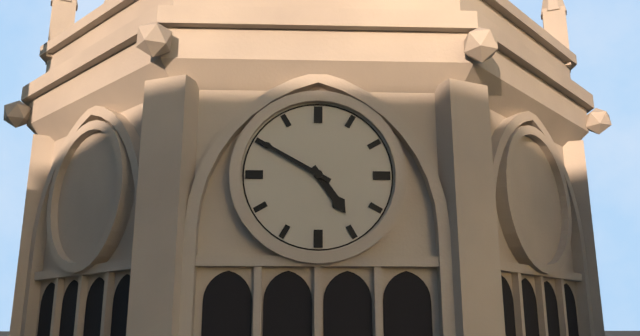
4.50
